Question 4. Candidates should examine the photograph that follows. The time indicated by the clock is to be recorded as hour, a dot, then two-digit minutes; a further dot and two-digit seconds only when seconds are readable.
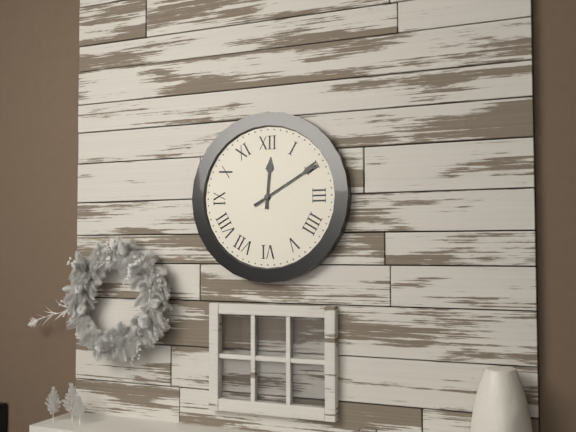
12.10
